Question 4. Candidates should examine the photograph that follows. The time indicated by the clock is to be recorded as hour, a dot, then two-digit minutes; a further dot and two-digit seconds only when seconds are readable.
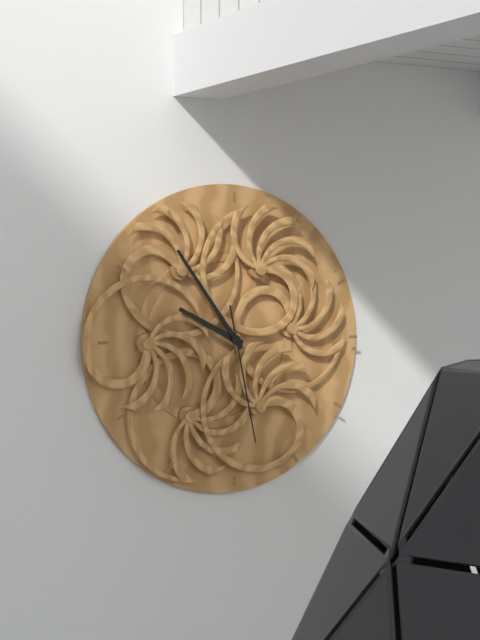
9.54.28
